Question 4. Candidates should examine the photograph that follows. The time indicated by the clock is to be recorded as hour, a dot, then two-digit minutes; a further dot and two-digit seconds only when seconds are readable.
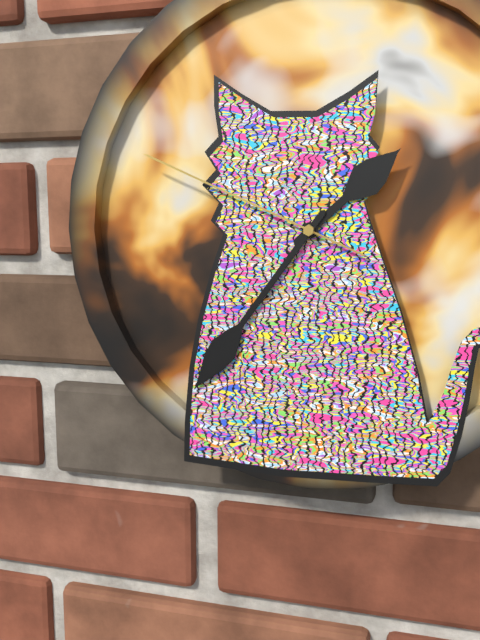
1.36.49
